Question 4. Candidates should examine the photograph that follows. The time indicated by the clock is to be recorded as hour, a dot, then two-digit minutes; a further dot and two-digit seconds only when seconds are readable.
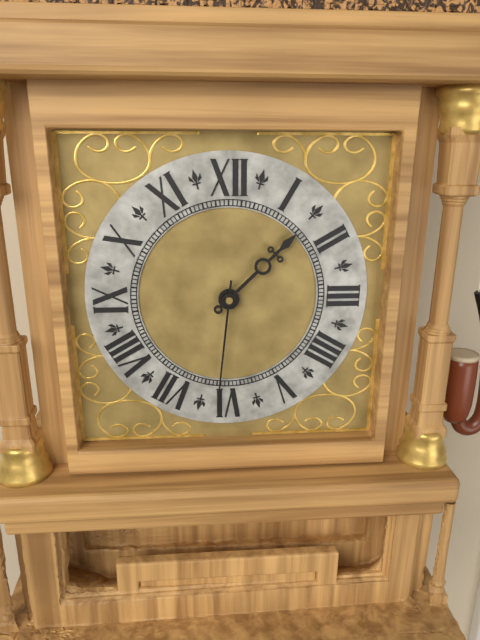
1.31
